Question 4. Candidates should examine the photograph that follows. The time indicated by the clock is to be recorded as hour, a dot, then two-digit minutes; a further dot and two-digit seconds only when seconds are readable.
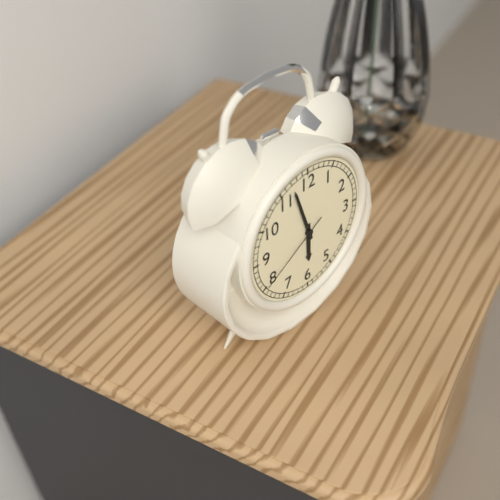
5.57.40
